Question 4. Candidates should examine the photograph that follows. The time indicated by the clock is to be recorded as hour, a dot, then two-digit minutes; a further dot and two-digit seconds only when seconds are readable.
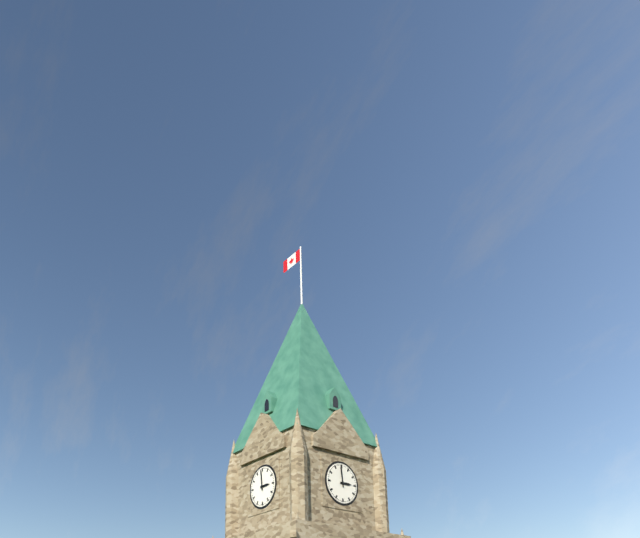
2.59
